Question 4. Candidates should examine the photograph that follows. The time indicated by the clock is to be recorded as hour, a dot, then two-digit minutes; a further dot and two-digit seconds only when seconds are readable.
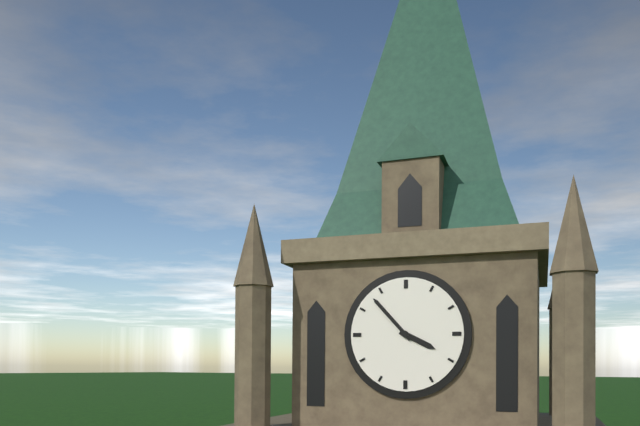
3.53
